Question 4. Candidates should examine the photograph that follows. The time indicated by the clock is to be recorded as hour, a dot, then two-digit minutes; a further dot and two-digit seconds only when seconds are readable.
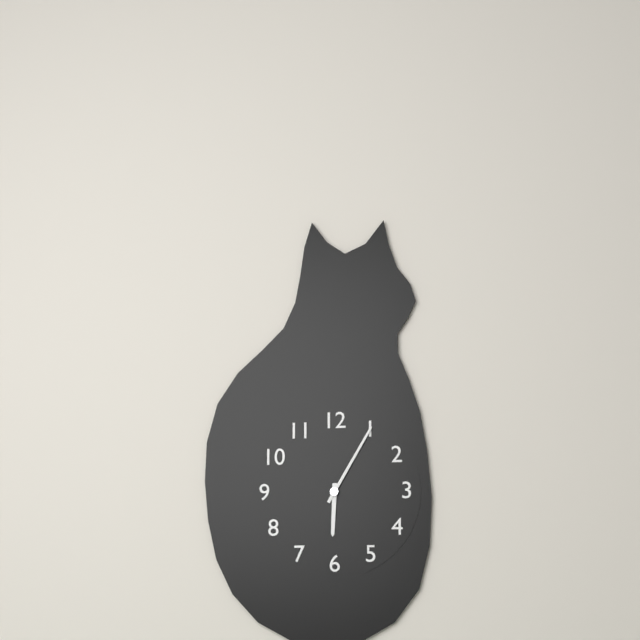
6.05
